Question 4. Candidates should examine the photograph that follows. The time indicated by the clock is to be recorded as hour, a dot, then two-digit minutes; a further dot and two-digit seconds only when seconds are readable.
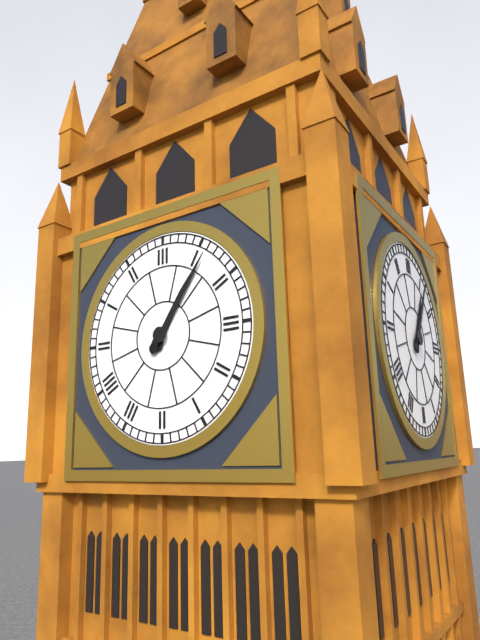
1.06
